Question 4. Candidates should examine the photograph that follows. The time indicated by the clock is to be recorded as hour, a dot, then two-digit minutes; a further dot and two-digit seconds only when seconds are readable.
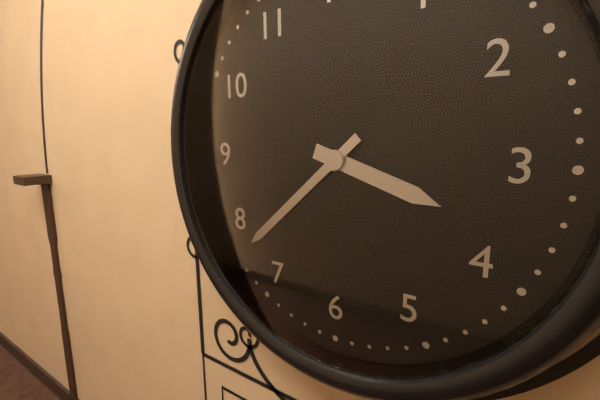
3.38
